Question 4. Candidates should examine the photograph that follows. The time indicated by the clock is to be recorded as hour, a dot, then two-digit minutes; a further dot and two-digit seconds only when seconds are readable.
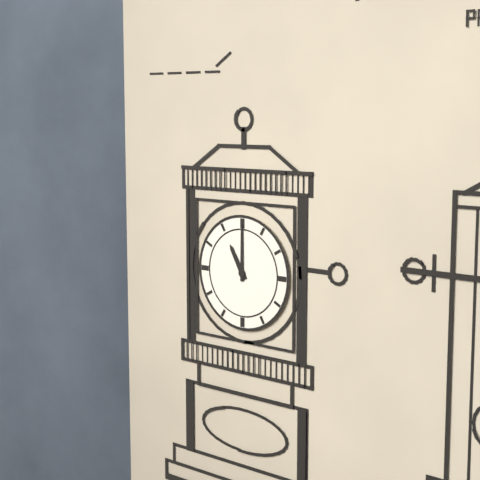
11.00
